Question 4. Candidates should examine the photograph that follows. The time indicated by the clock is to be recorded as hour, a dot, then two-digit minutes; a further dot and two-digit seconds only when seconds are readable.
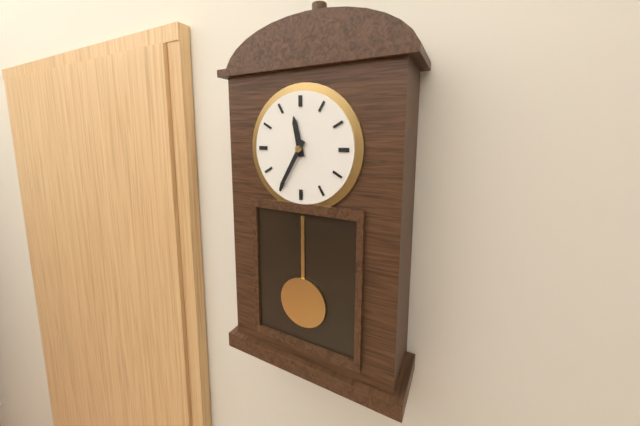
11.35
